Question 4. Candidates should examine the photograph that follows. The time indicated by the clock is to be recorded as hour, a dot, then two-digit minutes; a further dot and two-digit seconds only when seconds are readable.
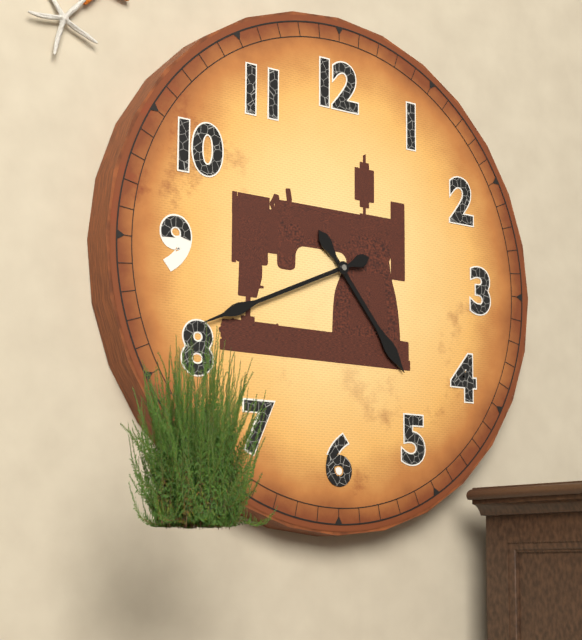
4.41
